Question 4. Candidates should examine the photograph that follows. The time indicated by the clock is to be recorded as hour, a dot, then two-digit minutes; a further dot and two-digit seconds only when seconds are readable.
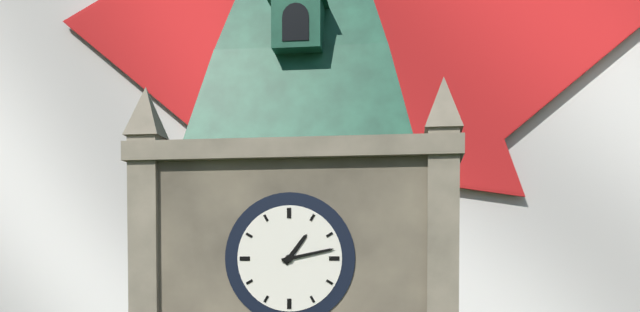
1.13
